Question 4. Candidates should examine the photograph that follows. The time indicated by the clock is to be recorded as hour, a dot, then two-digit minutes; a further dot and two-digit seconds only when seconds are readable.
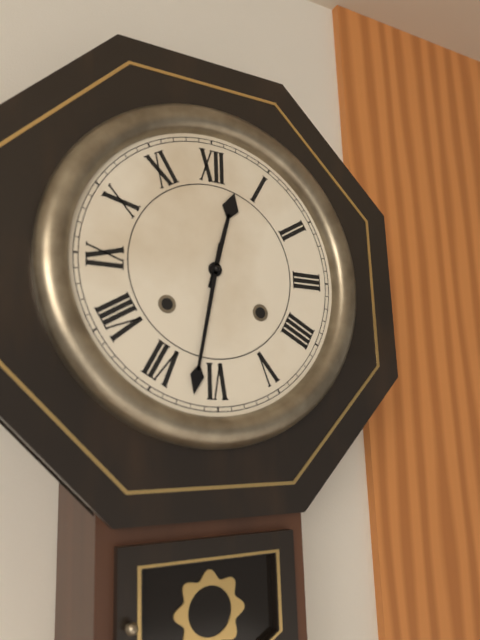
12.32
